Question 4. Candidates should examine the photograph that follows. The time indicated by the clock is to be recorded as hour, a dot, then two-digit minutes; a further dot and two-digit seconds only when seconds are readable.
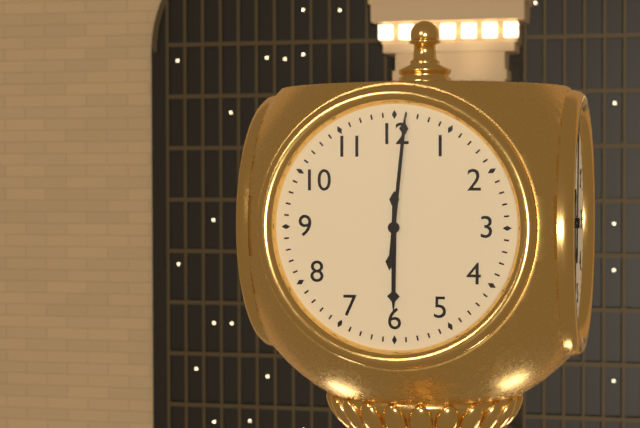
6.01
